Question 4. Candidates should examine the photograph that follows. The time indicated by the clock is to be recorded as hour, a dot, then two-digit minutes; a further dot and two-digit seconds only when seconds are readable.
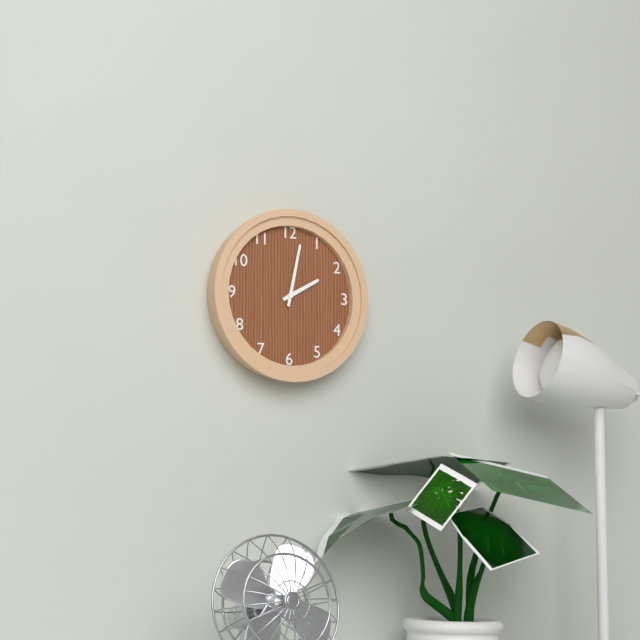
2.02
